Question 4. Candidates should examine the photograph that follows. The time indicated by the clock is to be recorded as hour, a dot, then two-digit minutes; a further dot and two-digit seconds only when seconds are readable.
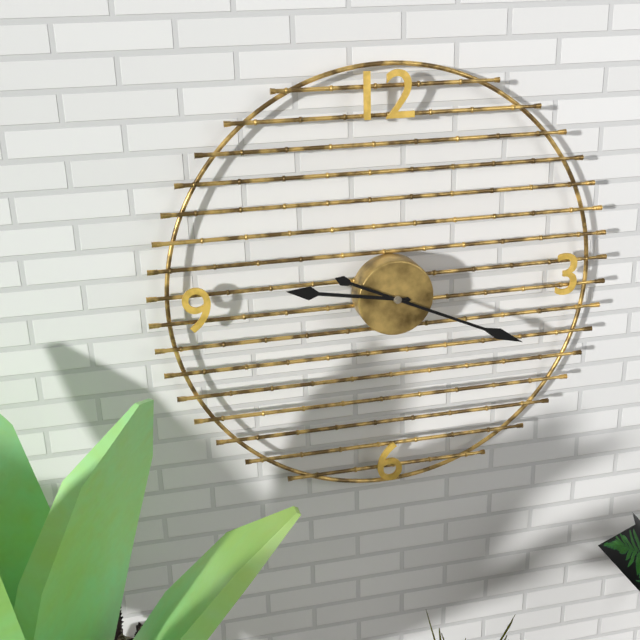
9.19
